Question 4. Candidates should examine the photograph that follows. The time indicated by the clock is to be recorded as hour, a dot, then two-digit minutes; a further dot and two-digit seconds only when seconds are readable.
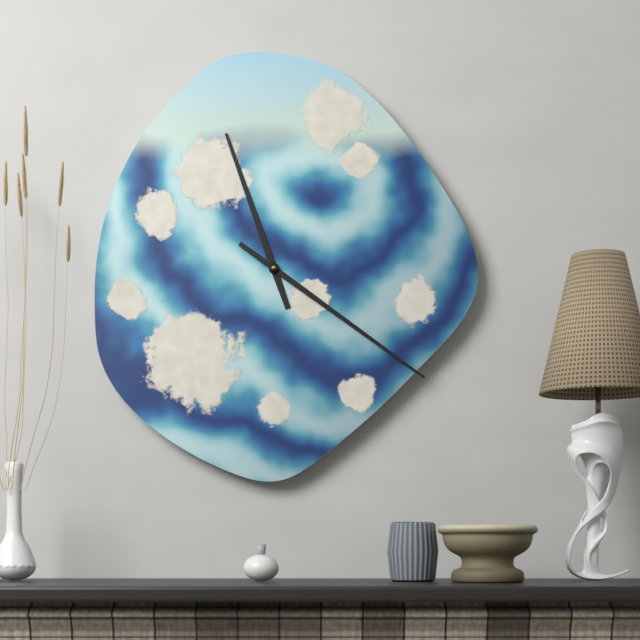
11.21
